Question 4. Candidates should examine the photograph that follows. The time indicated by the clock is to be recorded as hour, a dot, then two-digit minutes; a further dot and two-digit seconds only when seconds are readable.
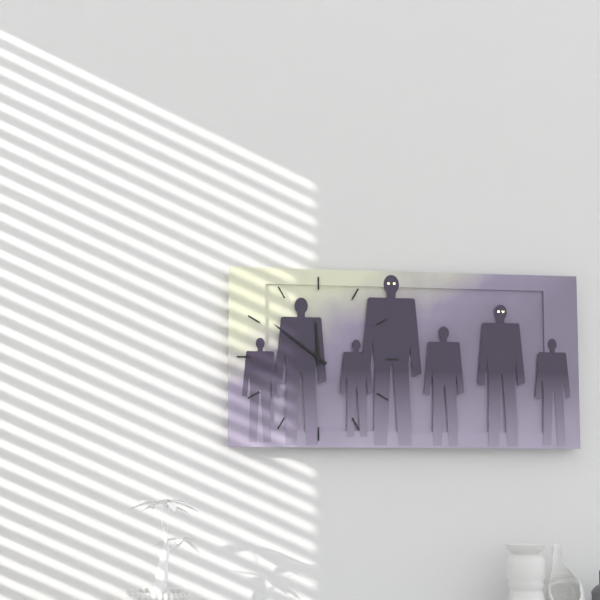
11.51
